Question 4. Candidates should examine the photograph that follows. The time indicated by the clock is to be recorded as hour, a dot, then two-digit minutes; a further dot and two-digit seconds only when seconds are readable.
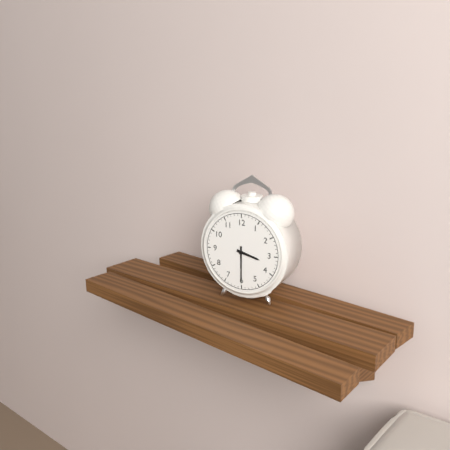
3.30
